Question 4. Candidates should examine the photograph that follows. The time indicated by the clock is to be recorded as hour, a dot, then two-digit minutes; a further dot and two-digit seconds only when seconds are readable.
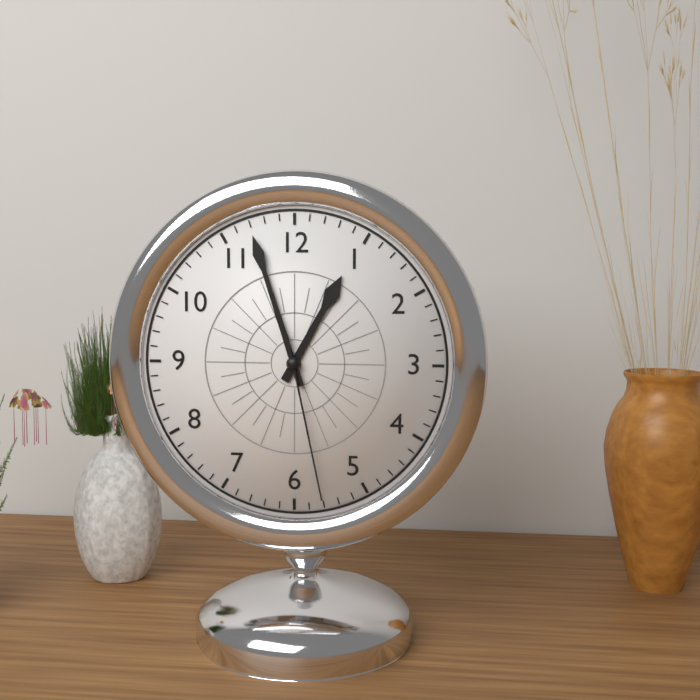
12.57.28
